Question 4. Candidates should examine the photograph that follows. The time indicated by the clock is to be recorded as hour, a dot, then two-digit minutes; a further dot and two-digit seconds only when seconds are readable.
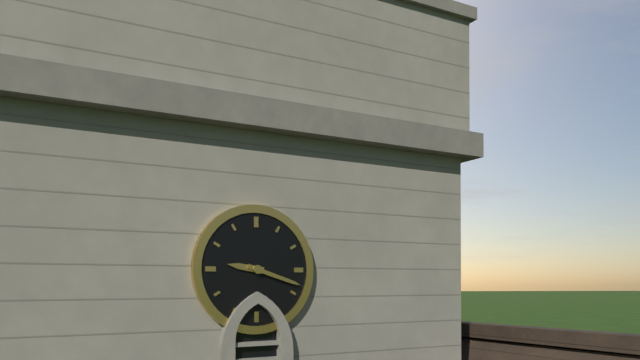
9.18
